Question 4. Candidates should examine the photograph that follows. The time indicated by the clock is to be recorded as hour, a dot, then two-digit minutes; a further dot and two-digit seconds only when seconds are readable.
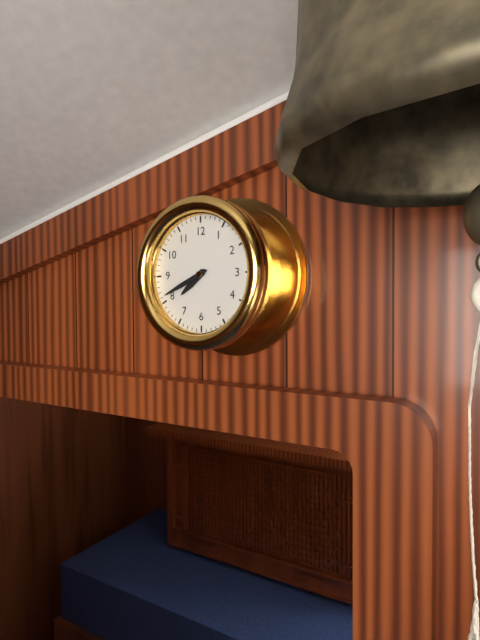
7.41
